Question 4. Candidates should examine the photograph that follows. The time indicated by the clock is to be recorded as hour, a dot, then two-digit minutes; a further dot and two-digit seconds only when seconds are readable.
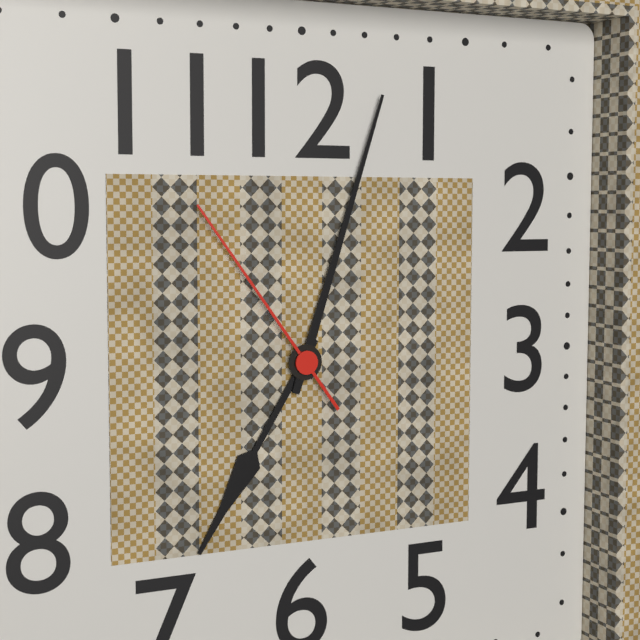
7.03.54
